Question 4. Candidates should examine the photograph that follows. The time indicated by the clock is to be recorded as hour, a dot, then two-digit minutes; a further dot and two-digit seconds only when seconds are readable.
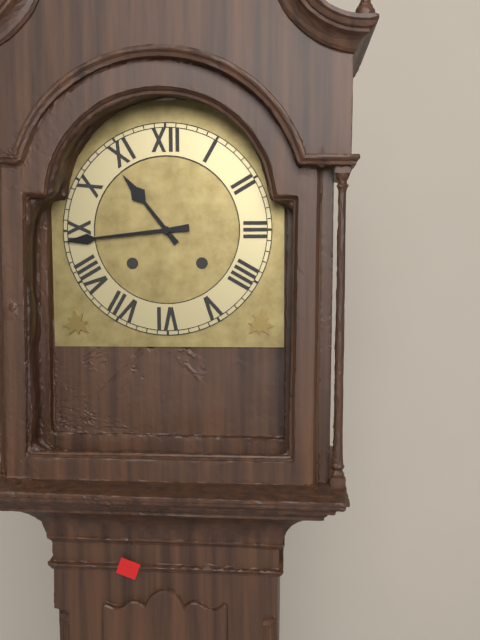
10.44
